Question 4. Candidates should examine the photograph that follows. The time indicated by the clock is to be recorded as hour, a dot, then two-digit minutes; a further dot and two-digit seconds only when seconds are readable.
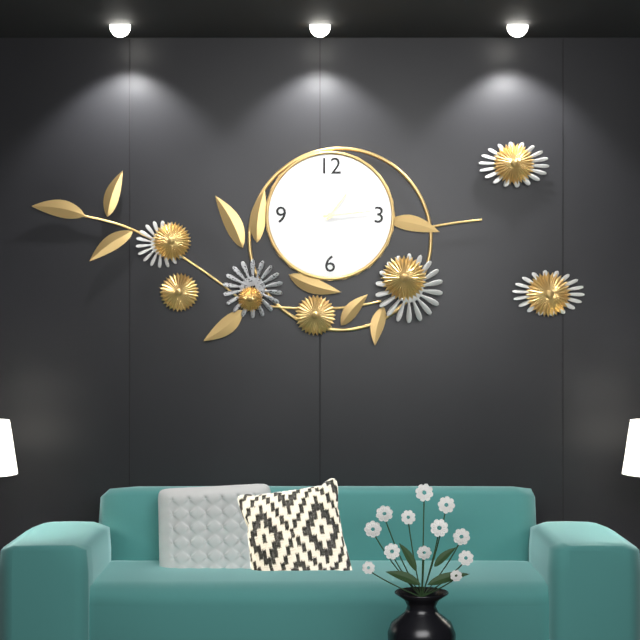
1.14
